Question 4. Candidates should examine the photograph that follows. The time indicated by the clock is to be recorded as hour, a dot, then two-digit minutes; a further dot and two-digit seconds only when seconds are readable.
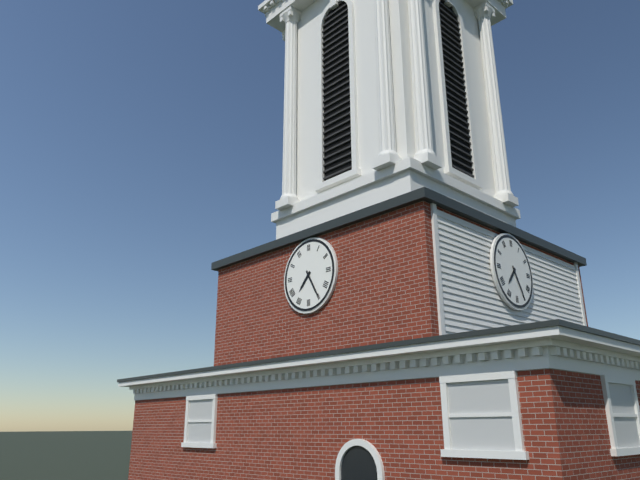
7.25
